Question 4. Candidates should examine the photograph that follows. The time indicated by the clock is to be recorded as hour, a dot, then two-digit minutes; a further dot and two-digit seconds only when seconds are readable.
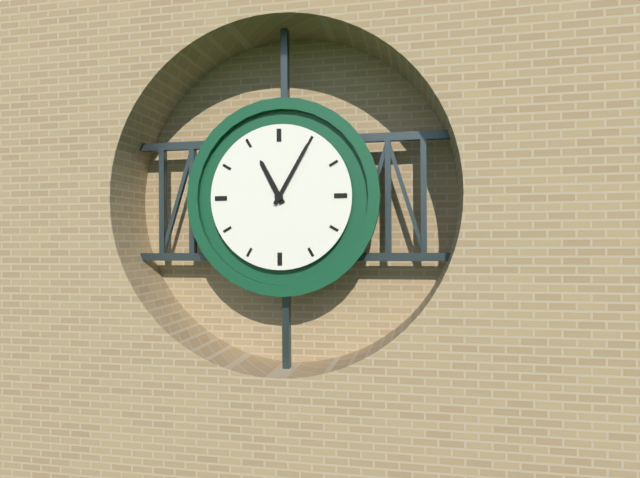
11.05
